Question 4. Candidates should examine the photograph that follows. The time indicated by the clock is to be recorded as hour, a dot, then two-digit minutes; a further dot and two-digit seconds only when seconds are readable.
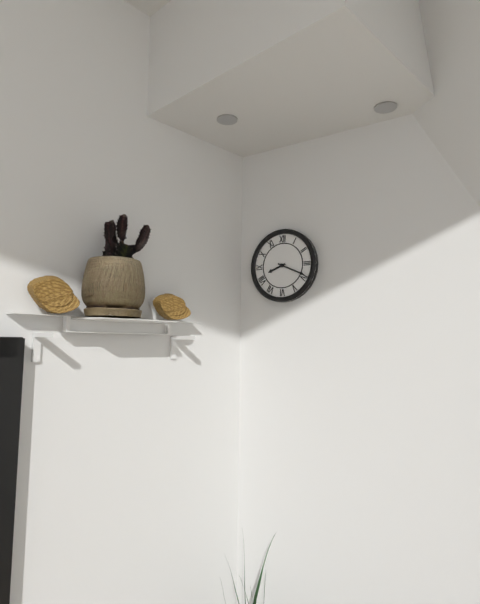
8.19
